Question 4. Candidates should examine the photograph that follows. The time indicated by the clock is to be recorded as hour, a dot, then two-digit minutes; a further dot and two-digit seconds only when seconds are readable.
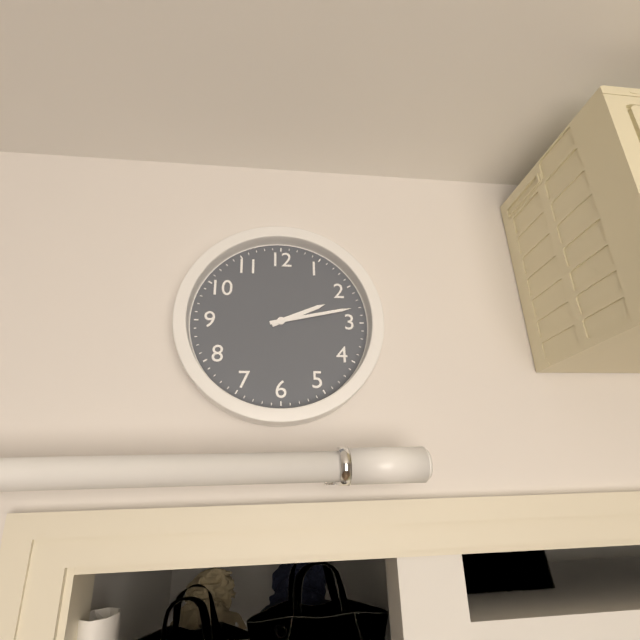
2.13
